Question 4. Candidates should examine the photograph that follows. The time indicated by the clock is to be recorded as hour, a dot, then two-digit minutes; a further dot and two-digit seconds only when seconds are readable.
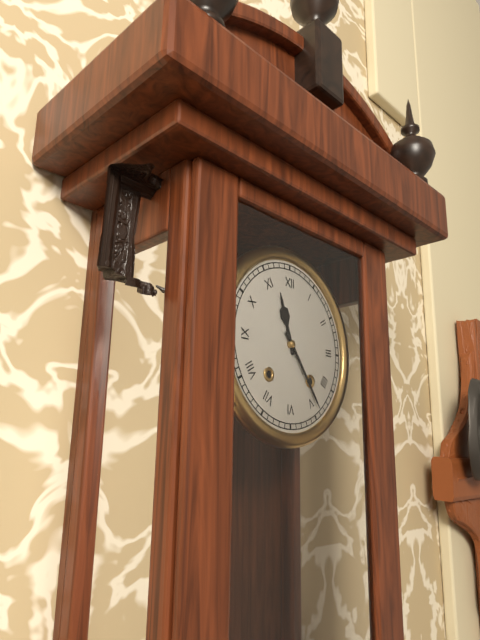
11.24
